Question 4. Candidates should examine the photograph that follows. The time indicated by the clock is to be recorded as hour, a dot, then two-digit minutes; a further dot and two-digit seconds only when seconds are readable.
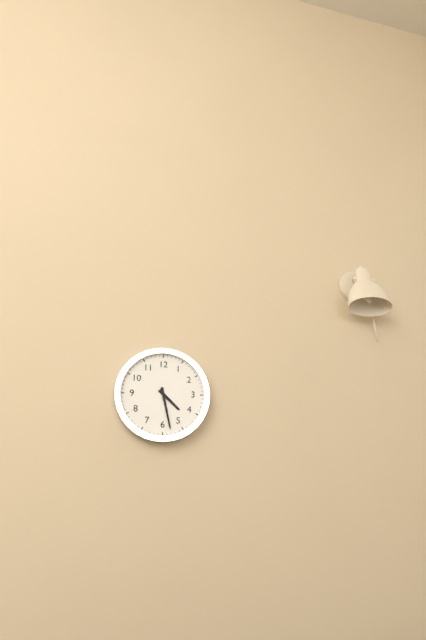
4.28
